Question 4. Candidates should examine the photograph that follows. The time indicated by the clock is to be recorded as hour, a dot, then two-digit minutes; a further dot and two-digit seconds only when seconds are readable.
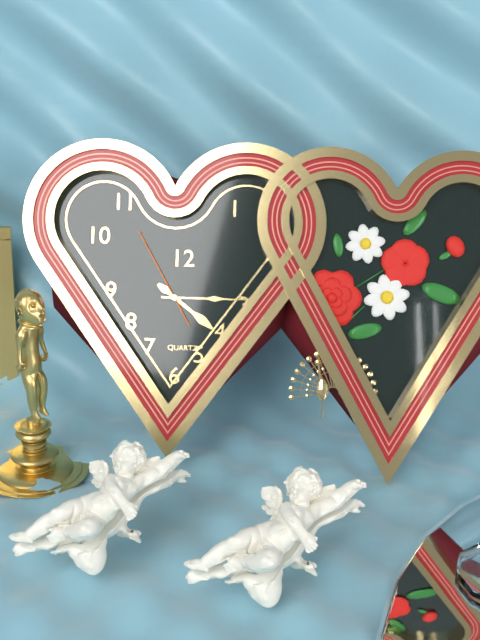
4.15.55
